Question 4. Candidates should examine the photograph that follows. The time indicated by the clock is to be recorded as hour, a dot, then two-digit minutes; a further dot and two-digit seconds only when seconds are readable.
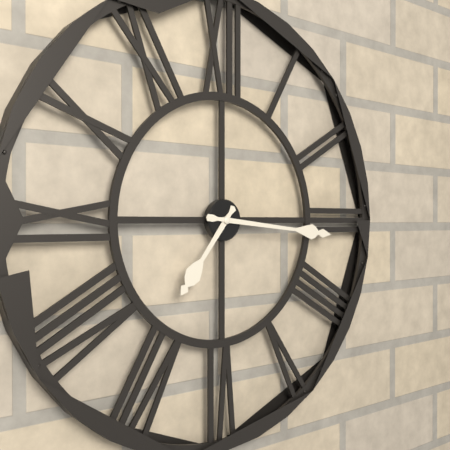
7.16
